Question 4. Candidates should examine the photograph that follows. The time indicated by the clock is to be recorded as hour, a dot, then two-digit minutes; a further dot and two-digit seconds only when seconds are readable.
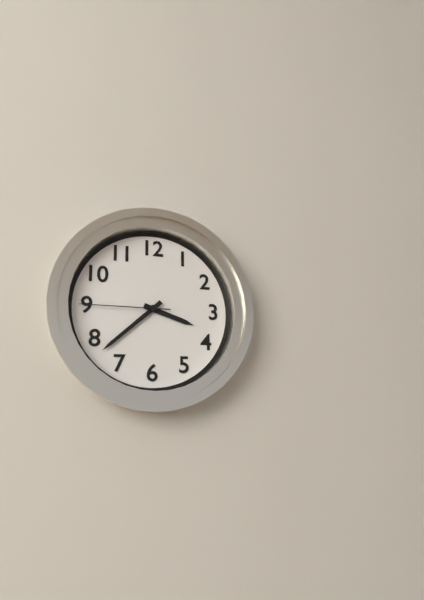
3.38.45
